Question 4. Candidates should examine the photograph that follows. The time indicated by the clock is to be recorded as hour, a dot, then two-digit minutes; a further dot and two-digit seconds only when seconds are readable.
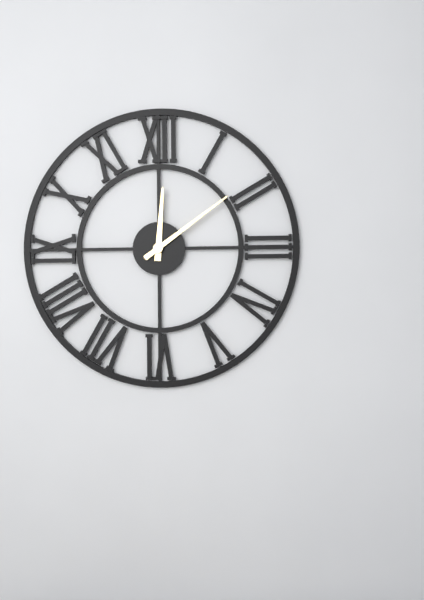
12.09
